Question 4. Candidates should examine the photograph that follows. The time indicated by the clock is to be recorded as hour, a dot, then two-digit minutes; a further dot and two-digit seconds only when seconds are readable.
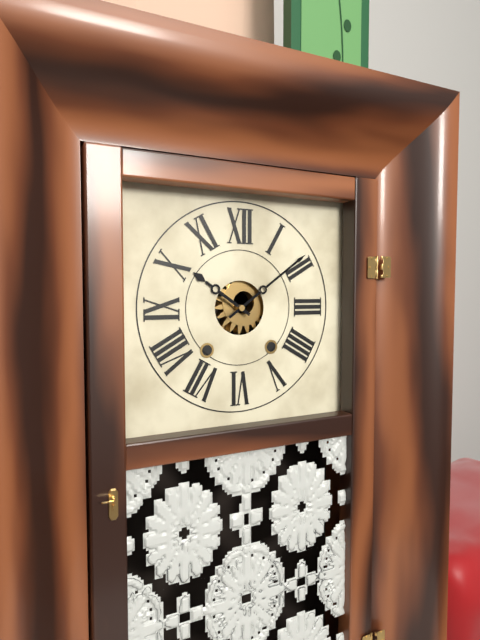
10.09
